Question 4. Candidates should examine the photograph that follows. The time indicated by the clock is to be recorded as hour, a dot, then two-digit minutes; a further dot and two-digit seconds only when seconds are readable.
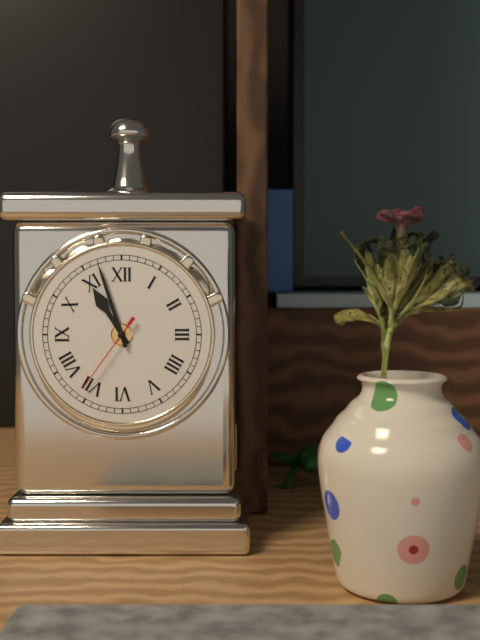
10.57.36
